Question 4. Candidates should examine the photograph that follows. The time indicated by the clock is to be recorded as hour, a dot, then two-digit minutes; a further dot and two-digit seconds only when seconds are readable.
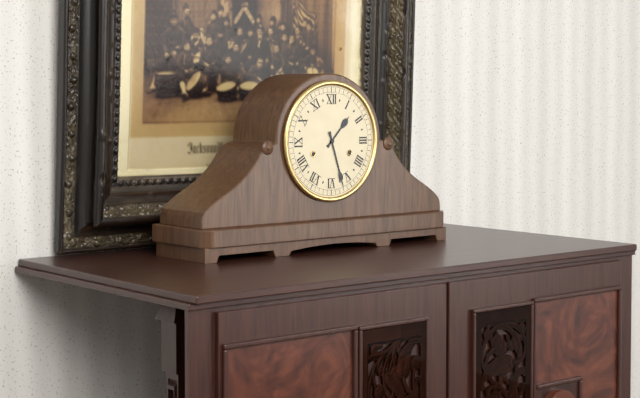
1.27
